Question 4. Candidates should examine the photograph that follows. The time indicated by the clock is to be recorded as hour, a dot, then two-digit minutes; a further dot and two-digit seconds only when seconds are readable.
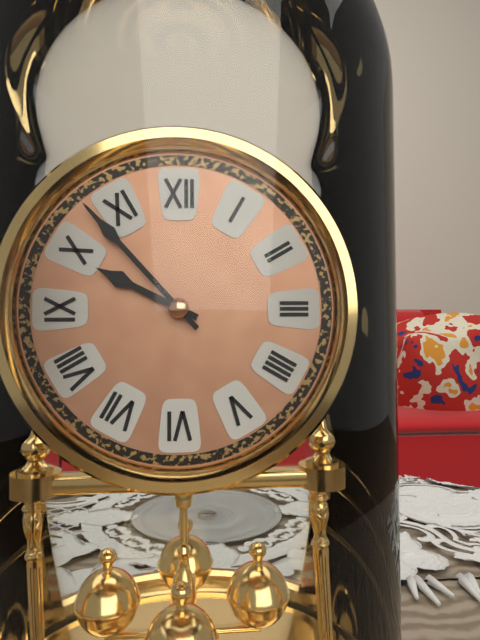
9.53
